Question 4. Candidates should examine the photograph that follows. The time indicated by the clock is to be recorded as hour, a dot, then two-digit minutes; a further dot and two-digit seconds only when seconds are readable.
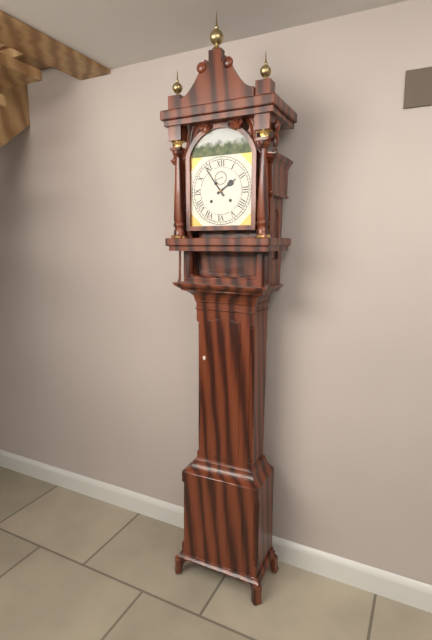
1.54
